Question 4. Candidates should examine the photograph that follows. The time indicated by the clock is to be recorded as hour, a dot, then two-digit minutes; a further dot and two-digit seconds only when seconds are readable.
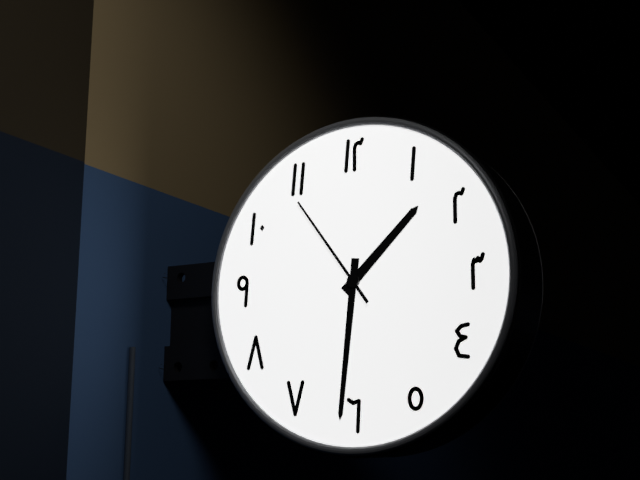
1.31.54
